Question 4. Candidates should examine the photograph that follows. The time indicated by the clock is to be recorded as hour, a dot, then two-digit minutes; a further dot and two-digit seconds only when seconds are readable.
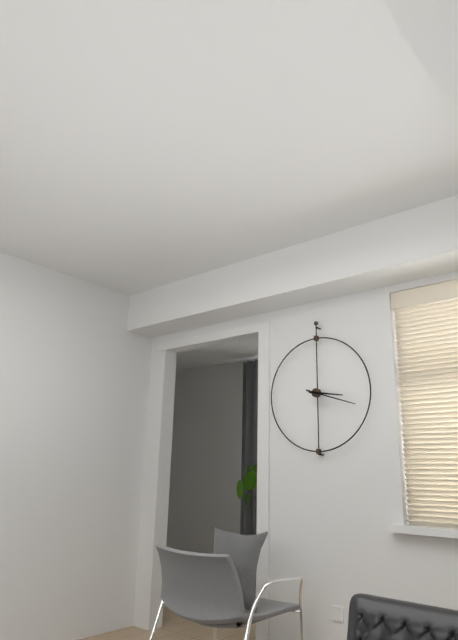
3.18
